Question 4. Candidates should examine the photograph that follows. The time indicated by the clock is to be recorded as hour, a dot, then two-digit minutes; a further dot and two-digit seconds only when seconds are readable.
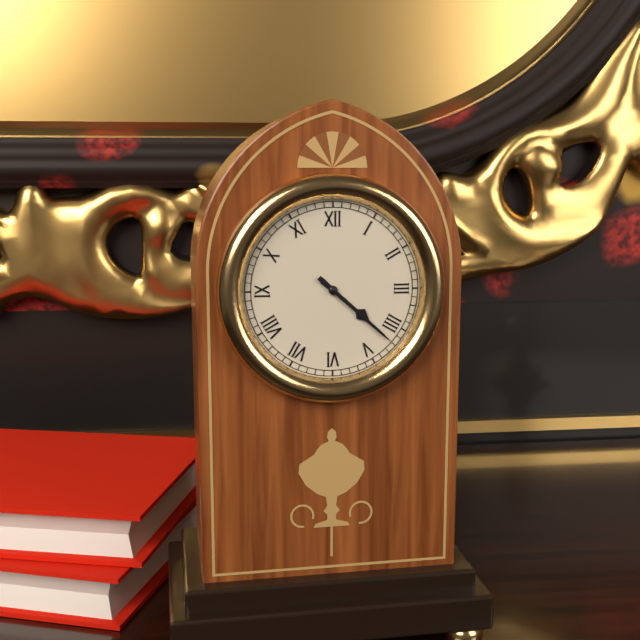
4.22
